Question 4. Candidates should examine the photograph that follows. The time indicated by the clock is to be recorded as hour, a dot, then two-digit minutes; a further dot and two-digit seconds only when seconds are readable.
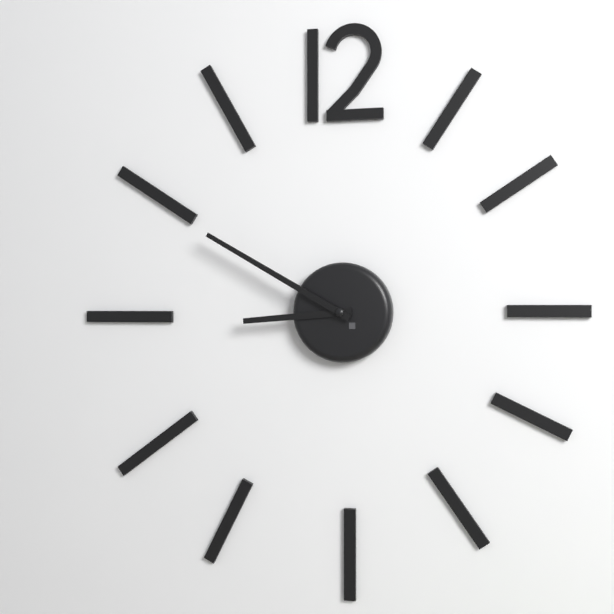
8.50
